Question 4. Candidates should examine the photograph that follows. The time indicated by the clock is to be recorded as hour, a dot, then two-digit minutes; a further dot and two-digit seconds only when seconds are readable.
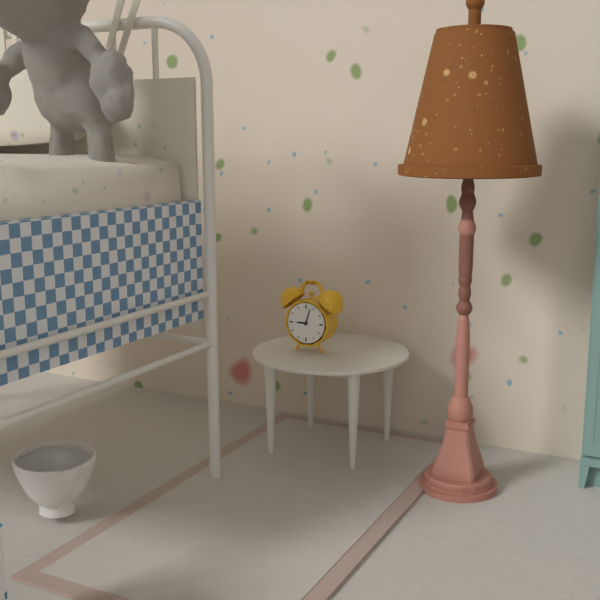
9.03
